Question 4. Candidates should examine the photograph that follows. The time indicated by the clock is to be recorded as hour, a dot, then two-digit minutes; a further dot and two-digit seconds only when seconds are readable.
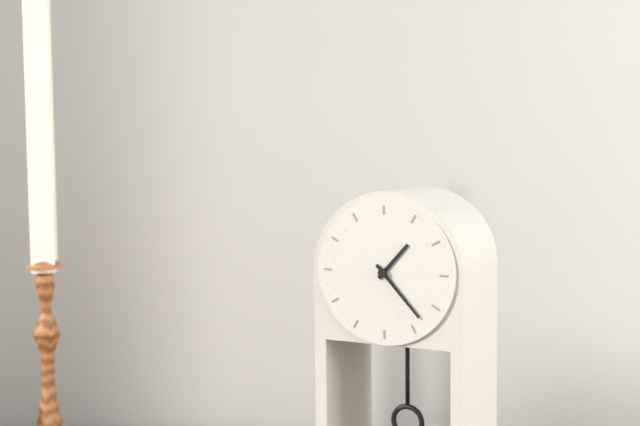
1.23
